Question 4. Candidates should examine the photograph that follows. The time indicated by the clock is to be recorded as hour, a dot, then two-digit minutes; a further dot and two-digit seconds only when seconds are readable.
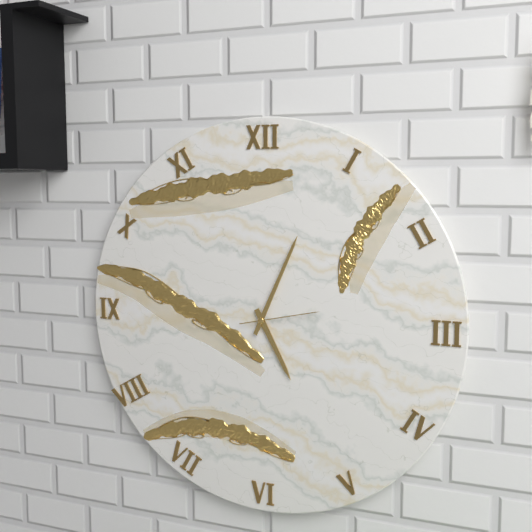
5.04.13
